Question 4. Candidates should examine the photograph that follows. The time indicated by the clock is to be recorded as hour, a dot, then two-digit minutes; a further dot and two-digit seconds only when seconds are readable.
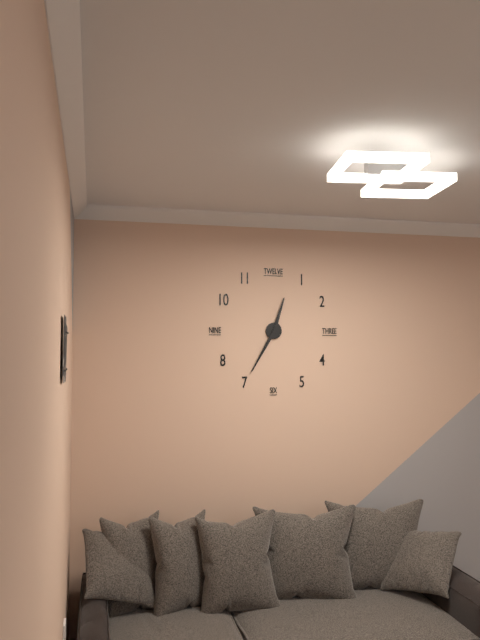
12.35
